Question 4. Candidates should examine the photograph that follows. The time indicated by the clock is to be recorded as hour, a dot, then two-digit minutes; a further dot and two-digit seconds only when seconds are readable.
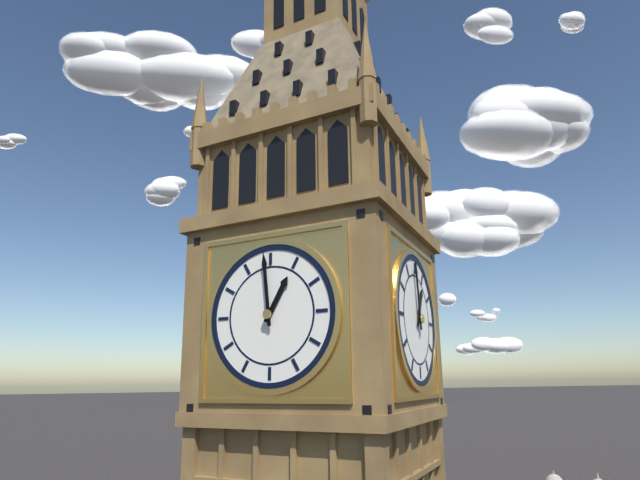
12.59
